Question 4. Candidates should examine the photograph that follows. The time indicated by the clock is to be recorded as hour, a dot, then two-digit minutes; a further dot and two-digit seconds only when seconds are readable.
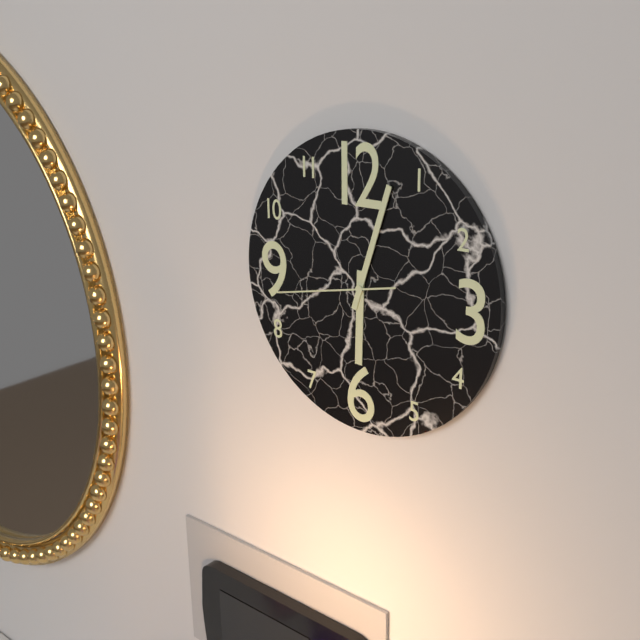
6.03.43
